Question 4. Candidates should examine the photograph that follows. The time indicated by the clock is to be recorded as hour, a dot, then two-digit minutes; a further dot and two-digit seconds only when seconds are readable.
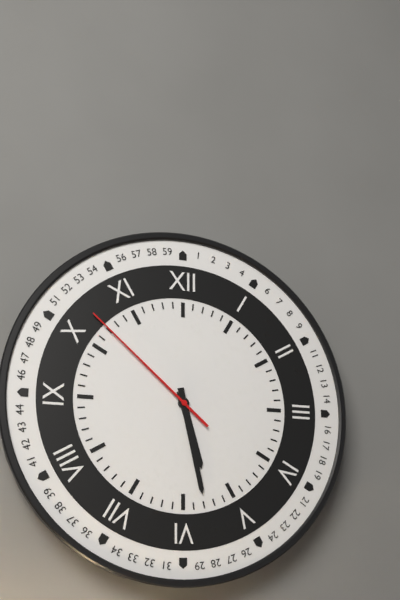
5.28.52
